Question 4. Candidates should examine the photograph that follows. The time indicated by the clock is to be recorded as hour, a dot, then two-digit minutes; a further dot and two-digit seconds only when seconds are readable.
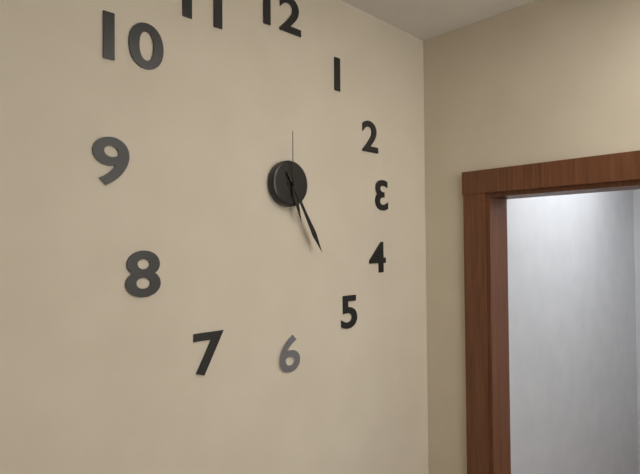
5.25.00
